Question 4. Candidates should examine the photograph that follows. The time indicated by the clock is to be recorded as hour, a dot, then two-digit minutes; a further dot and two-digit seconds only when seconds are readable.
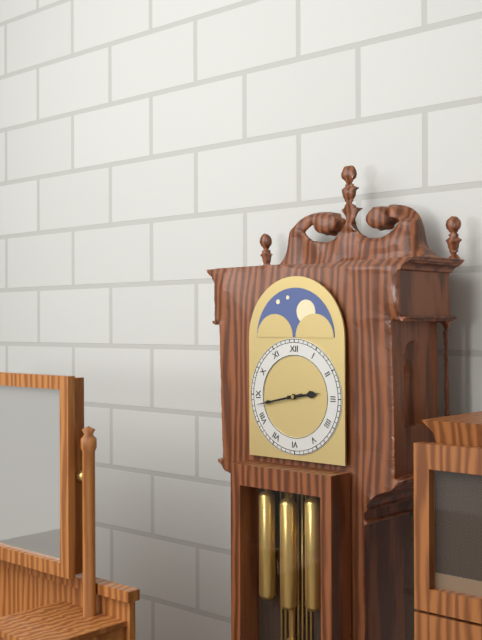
2.43
